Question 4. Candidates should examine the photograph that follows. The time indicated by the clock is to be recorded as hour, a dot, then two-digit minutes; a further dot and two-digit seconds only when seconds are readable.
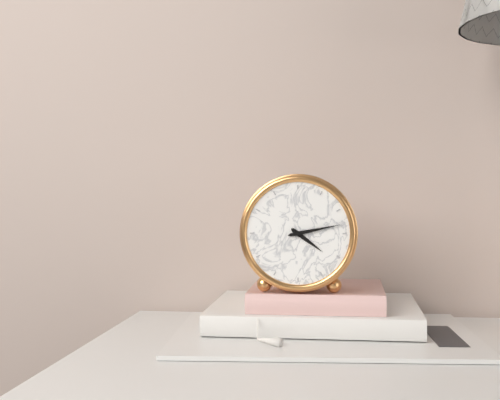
4.13
